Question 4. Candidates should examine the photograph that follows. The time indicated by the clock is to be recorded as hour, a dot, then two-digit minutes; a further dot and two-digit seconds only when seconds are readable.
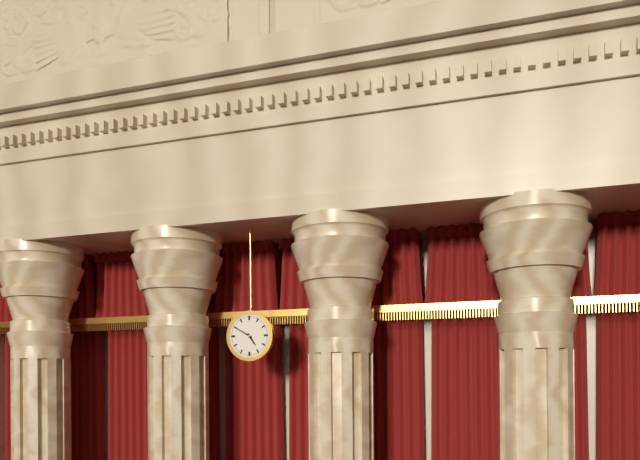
4.50
